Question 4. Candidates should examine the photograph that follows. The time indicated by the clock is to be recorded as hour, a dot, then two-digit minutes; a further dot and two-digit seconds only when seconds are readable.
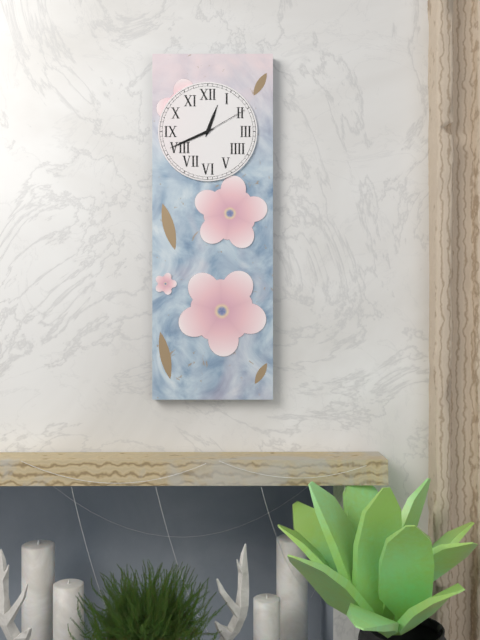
12.41.10
